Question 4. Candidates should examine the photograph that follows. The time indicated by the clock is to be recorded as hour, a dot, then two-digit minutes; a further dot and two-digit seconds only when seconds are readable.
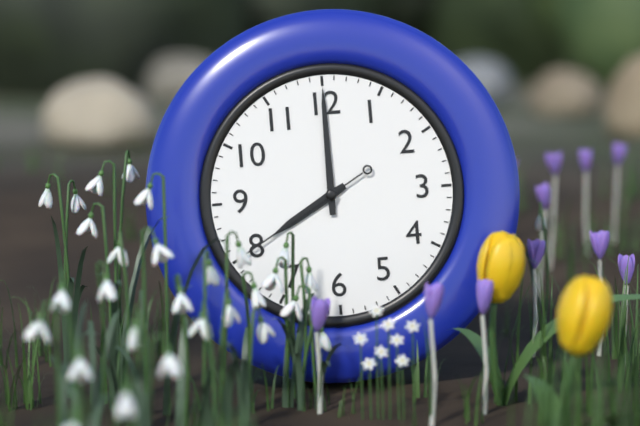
8.00.40
